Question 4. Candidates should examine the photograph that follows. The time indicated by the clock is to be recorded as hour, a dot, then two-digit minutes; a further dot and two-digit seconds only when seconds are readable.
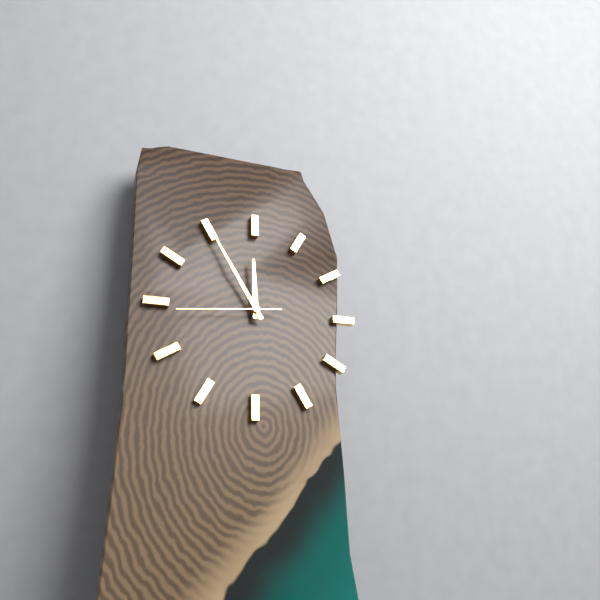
11.55.44
